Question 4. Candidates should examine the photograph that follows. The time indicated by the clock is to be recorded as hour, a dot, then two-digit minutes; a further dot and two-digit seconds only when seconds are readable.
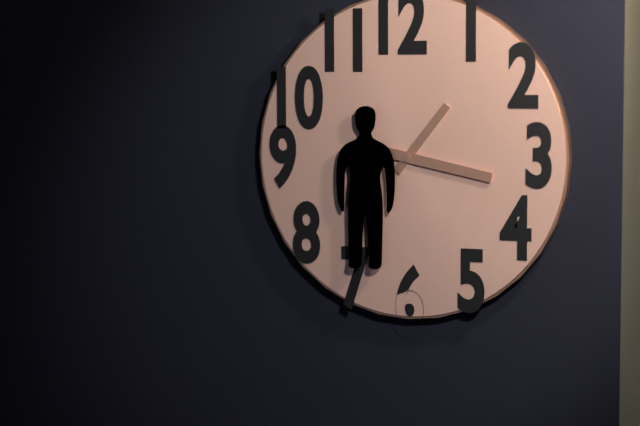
1.17
